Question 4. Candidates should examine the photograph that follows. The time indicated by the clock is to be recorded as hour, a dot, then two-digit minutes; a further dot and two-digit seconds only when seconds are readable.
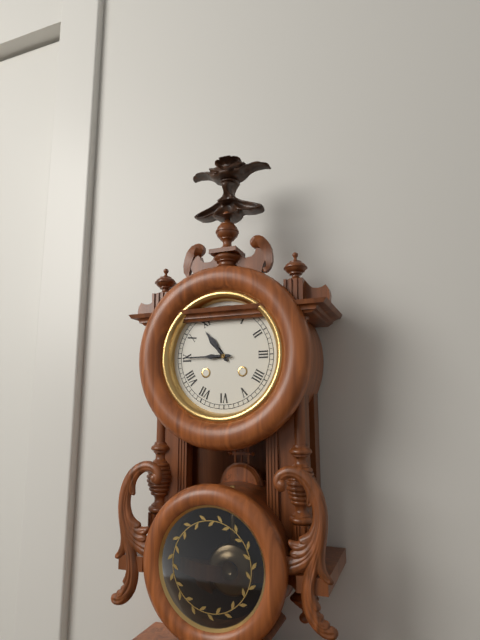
10.45
